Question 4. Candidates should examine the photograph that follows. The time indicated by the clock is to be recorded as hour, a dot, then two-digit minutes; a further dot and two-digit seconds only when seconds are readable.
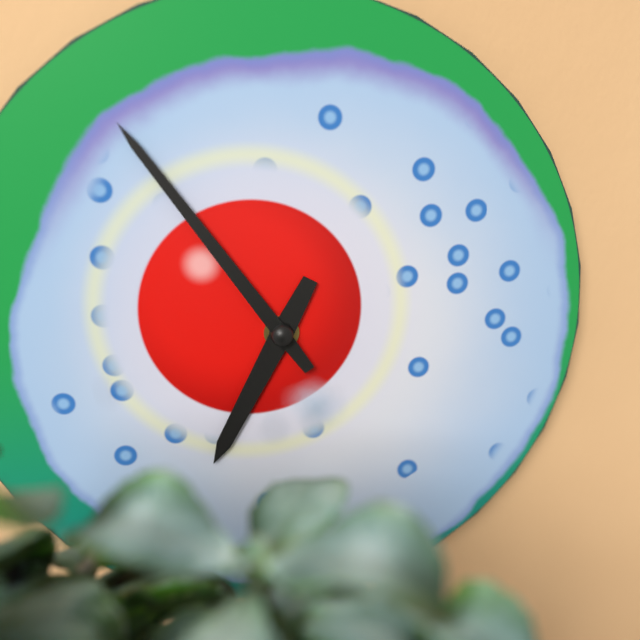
6.54
